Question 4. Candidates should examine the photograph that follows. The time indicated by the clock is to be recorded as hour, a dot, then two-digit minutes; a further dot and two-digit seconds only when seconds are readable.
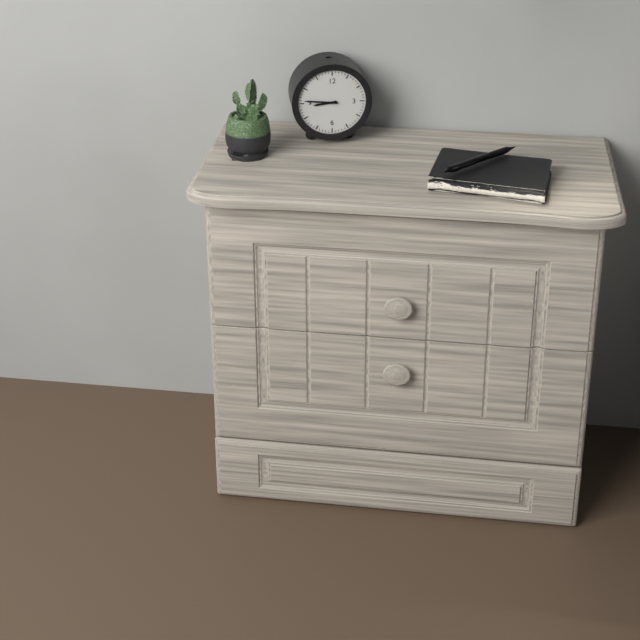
8.46
